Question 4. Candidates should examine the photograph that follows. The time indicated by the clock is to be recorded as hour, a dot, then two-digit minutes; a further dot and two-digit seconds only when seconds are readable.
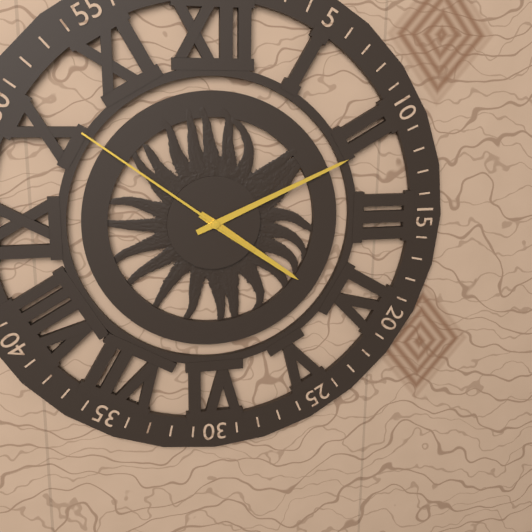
4.11.51
